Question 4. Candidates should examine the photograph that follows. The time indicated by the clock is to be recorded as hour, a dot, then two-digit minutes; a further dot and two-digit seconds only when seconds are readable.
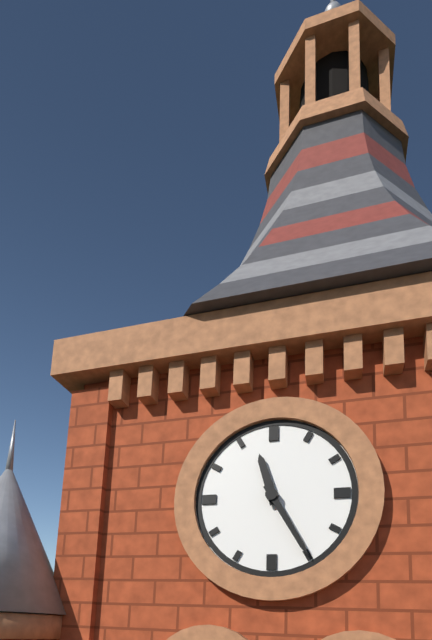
11.25
